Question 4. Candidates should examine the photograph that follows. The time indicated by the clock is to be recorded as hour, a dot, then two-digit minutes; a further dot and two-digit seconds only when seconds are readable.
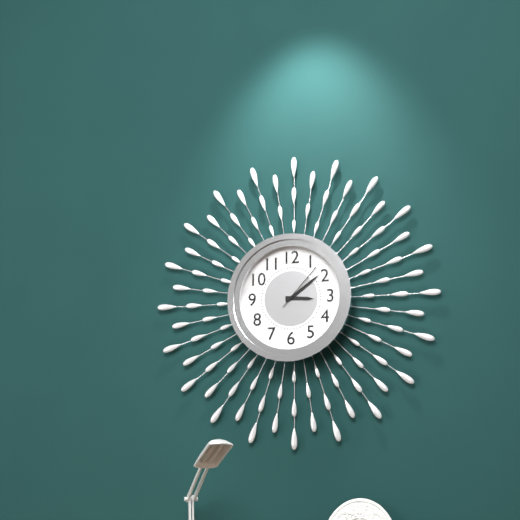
3.09.07
